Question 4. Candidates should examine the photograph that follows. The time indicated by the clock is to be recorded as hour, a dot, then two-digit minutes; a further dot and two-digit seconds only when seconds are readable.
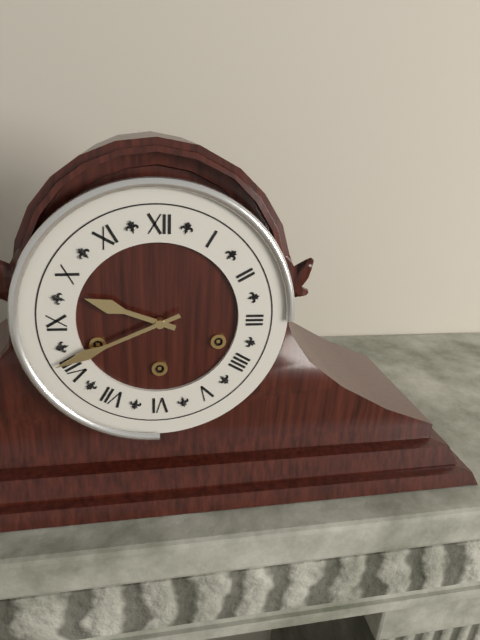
9.41
